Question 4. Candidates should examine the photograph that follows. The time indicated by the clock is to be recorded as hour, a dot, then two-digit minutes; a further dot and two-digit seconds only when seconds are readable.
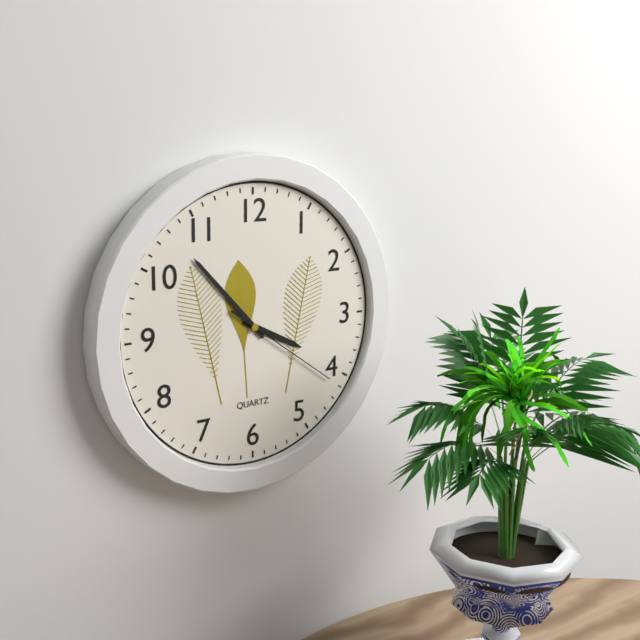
3.53.21
